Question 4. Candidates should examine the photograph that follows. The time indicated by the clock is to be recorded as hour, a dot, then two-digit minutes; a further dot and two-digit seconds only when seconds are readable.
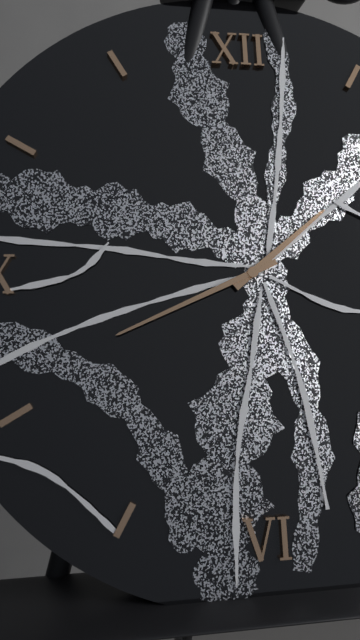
1.41
